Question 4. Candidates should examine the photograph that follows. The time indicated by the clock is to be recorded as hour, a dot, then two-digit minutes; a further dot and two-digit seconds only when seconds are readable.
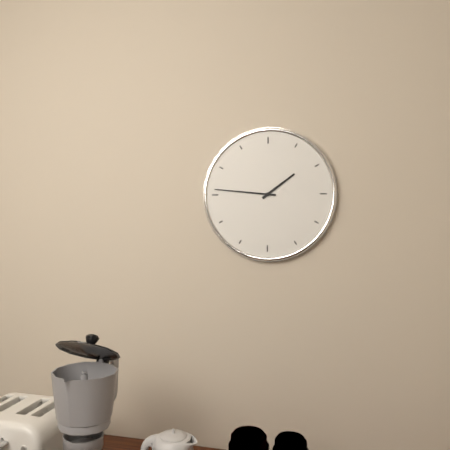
1.46
